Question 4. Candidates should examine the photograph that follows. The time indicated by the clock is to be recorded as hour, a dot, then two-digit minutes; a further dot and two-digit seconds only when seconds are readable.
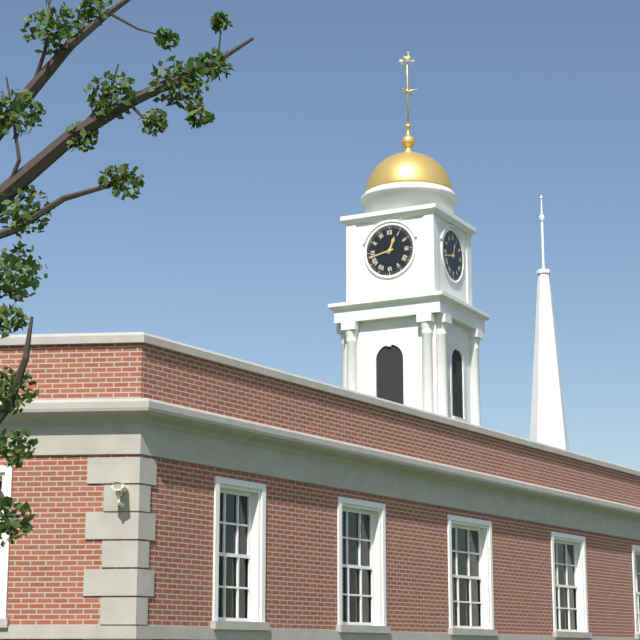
12.43
